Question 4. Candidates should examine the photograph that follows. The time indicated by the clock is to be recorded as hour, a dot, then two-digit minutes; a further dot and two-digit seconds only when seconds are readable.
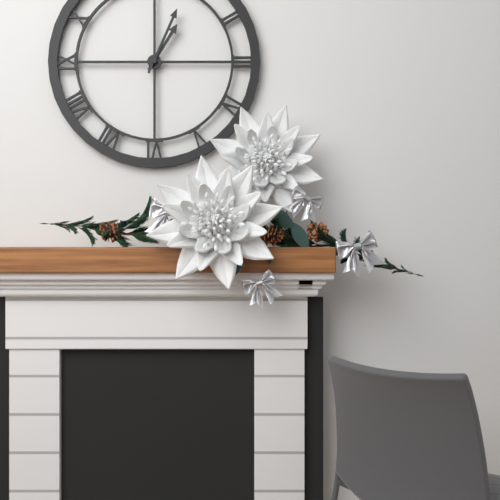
1.04
